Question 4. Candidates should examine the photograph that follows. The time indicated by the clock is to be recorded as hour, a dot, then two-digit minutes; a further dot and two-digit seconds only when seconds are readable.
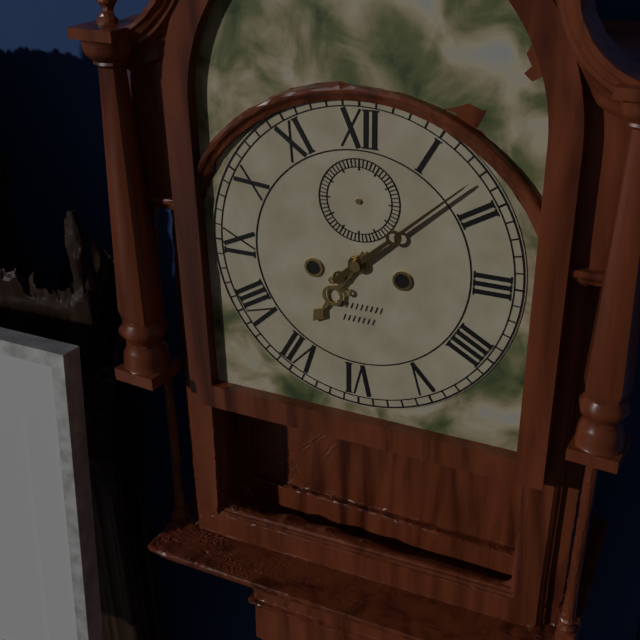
7.08
